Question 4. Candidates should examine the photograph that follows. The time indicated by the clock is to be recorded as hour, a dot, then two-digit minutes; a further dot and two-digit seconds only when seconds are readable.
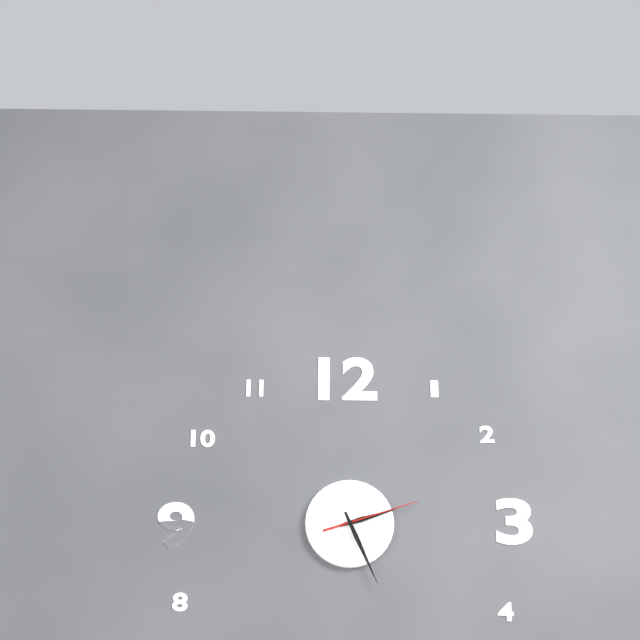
2.26.12
